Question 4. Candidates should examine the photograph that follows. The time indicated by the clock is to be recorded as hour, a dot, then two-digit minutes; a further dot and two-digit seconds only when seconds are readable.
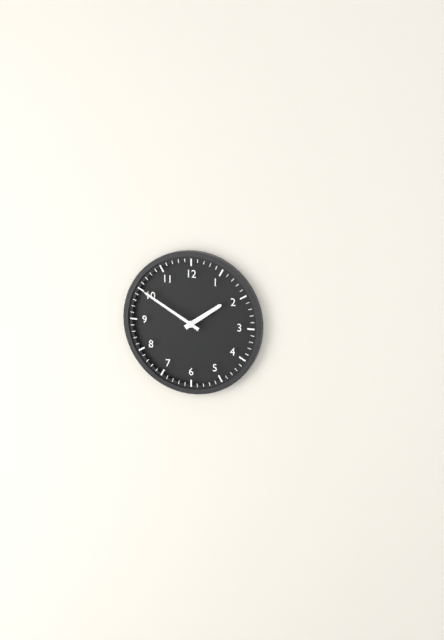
1.50
